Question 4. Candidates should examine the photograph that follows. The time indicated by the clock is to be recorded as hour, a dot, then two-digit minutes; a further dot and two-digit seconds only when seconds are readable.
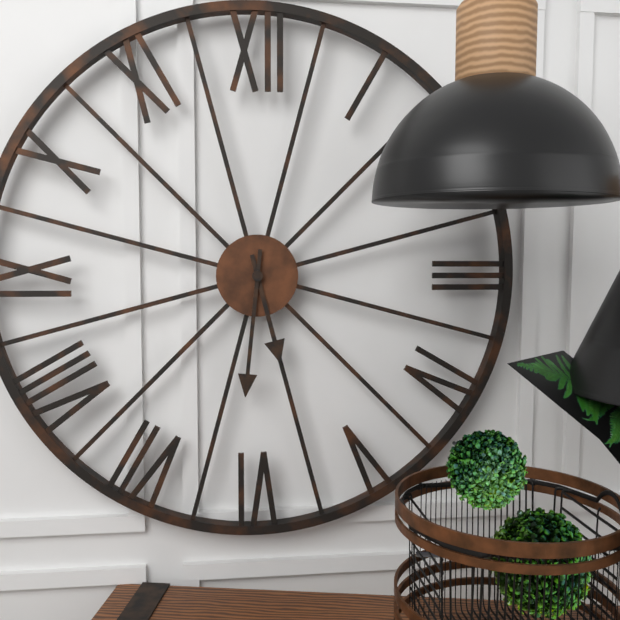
5.31
